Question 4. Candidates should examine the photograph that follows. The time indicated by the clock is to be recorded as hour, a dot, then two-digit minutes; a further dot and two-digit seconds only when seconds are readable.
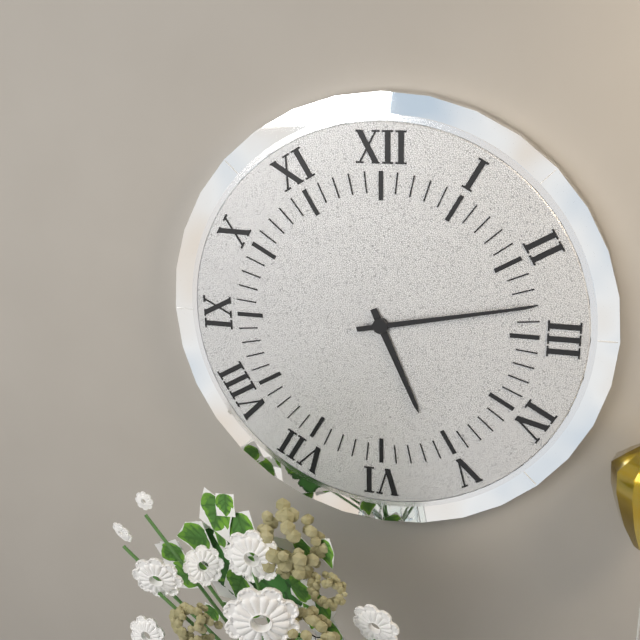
5.13
